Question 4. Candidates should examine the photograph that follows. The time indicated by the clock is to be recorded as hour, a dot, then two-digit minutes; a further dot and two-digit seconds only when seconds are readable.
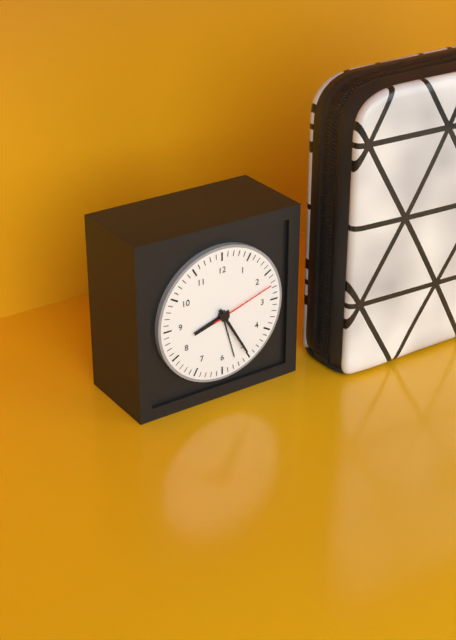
8.25.12
